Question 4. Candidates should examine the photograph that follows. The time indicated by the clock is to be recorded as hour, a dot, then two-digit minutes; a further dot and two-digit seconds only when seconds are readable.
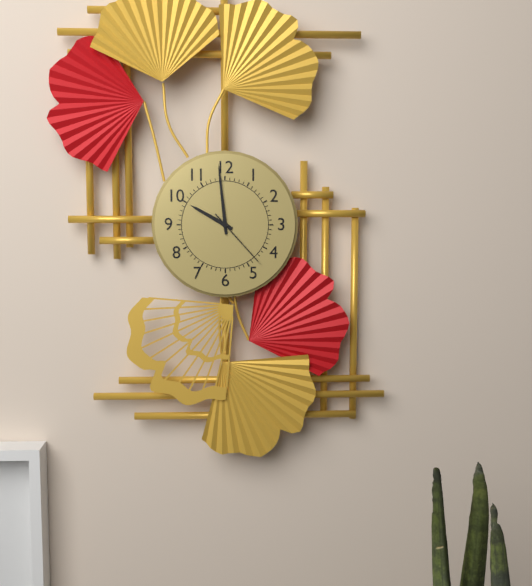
9.59.23
